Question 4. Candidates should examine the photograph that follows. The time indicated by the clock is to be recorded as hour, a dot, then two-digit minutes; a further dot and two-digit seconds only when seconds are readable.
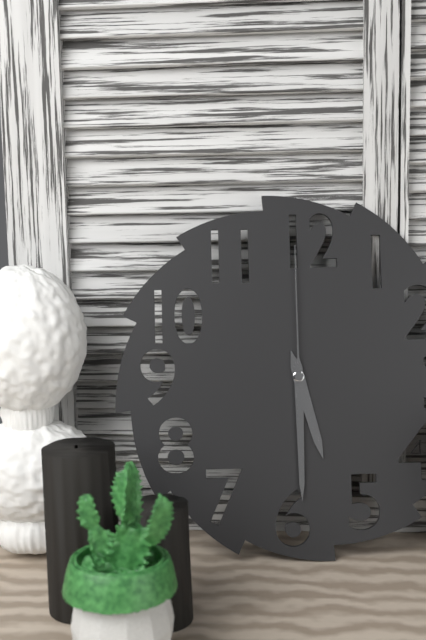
5.30.00
